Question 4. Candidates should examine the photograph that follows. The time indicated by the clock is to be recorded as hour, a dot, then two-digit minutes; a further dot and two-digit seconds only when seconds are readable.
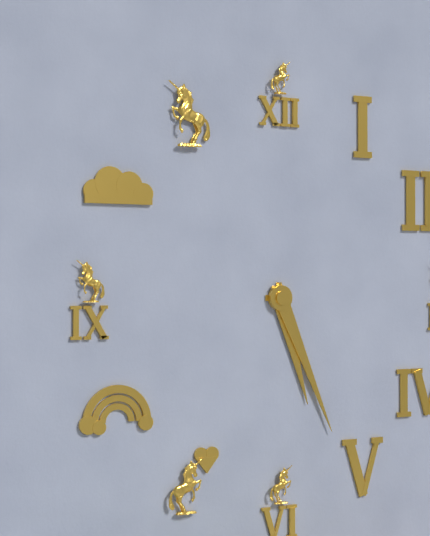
5.26
